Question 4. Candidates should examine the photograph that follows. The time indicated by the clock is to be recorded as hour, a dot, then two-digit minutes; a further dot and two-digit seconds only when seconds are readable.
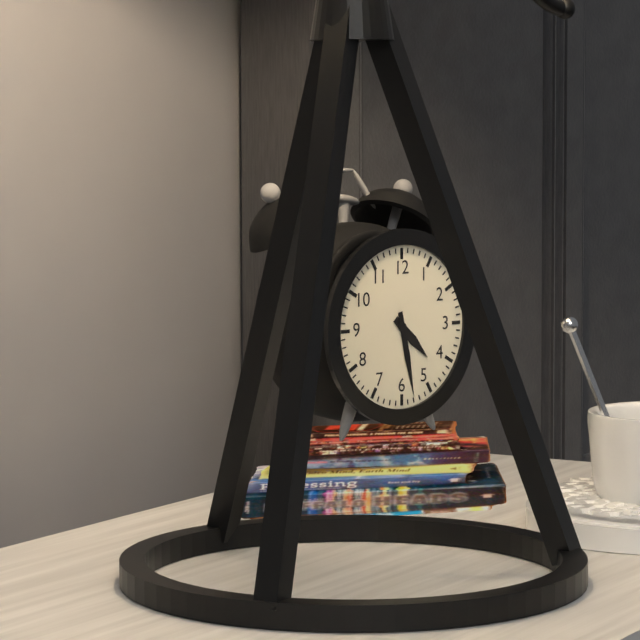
4.28
